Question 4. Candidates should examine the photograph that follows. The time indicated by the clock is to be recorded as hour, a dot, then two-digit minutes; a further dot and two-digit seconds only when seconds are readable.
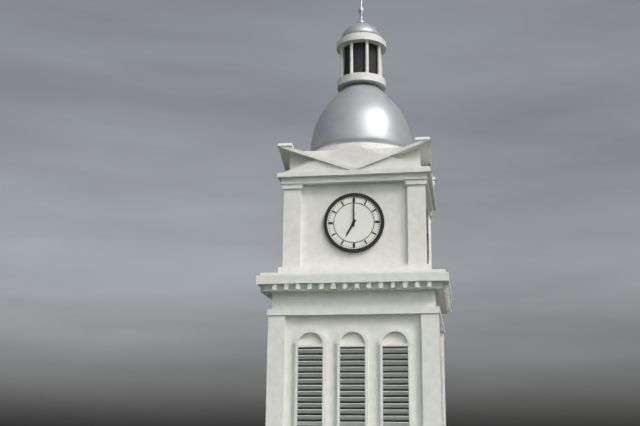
7.00
